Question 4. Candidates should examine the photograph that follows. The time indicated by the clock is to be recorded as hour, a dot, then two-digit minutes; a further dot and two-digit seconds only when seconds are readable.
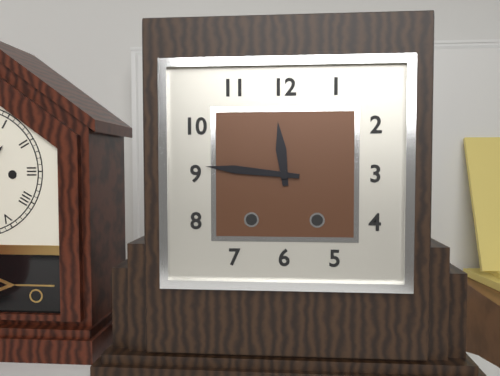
11.46
